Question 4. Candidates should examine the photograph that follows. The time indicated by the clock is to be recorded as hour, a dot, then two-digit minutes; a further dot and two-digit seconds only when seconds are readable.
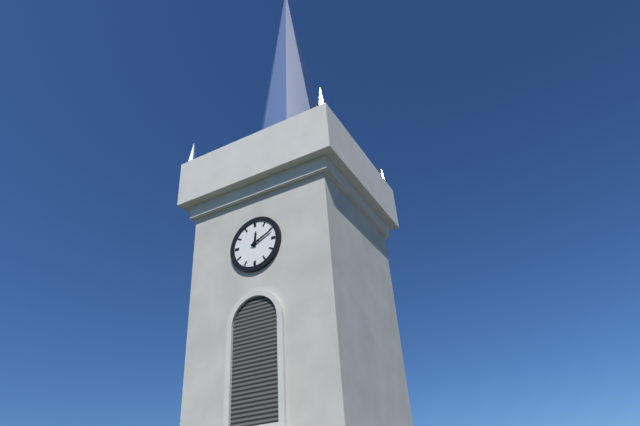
12.11
